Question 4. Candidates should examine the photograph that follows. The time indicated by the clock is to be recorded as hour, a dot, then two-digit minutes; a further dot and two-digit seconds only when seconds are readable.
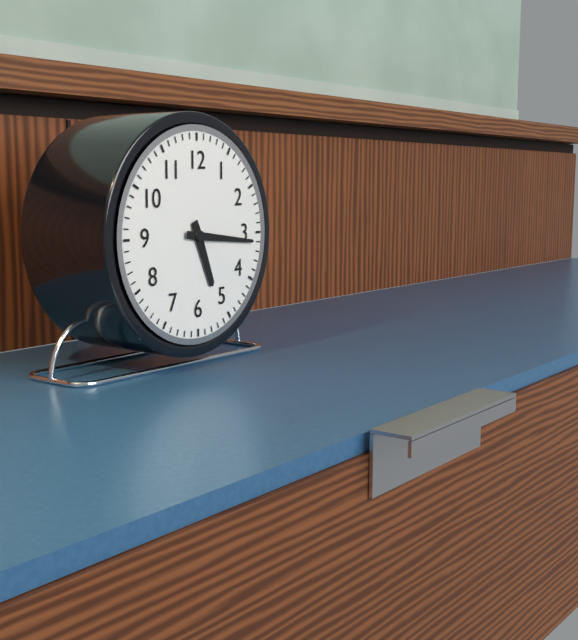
5.16
